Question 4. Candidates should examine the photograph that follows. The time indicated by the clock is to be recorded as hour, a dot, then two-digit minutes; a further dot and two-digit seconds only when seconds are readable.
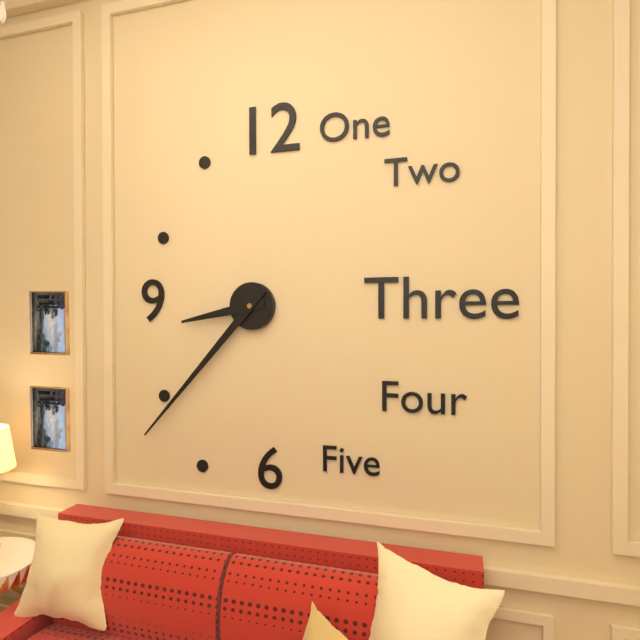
8.37
